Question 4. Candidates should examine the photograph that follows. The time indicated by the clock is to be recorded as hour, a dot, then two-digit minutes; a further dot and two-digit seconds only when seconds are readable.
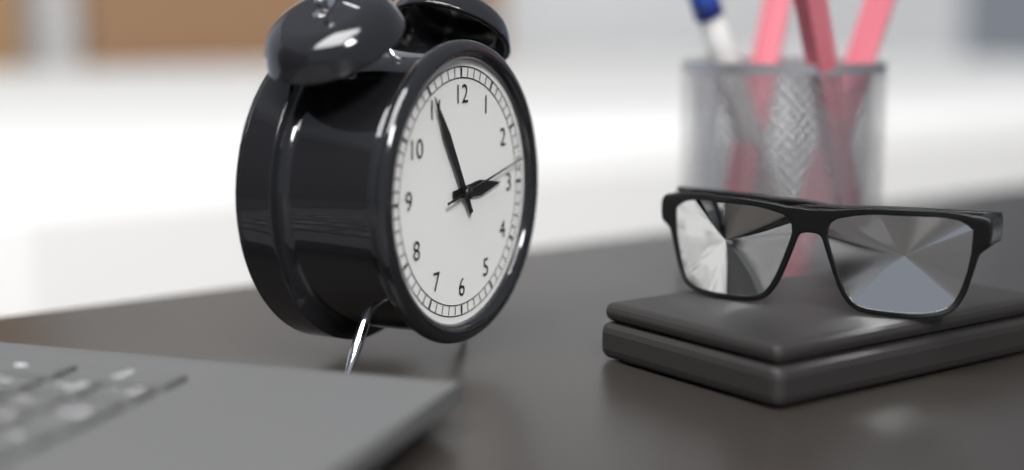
2.55.13
